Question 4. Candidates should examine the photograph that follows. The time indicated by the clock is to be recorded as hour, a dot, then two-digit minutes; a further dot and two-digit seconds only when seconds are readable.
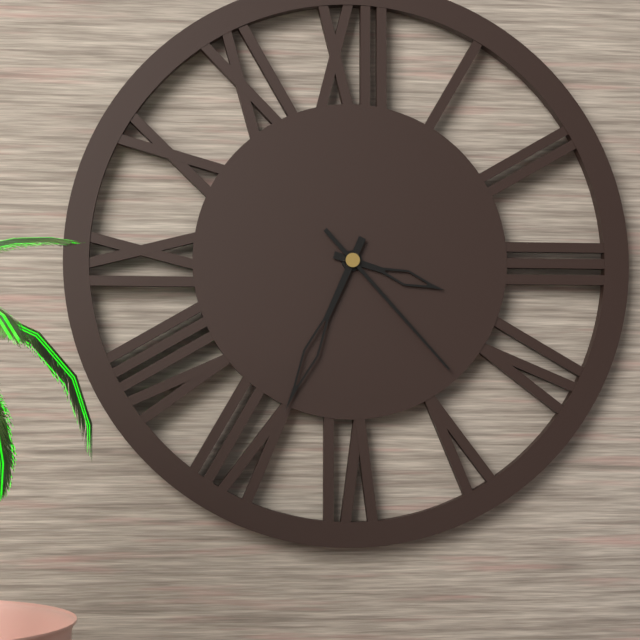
3.34.23
